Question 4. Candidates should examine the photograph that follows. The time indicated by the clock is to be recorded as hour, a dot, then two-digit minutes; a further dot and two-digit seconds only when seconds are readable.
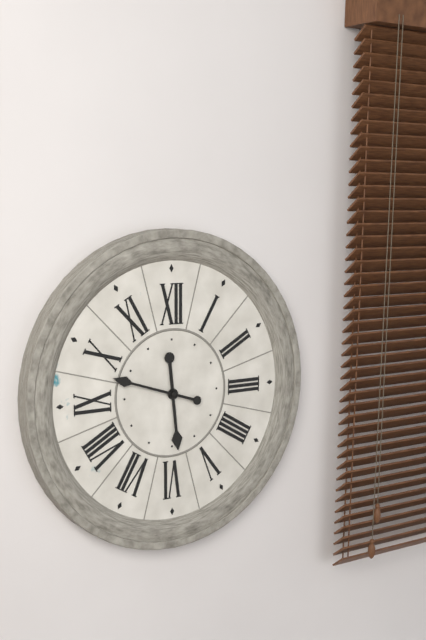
5.48
